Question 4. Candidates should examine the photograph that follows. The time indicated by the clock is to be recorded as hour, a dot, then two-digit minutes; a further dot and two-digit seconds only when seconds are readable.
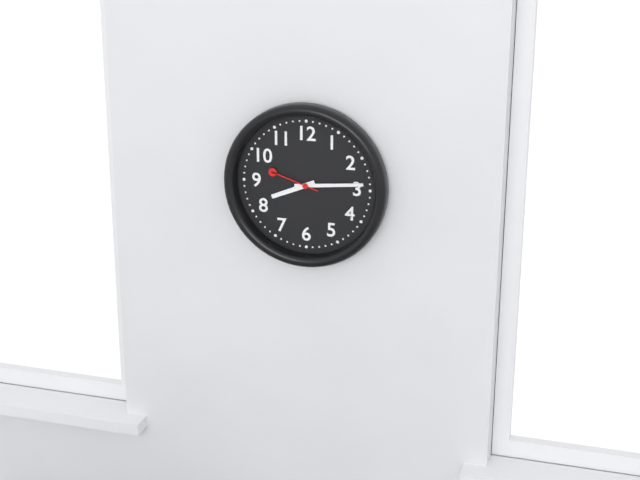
8.14
